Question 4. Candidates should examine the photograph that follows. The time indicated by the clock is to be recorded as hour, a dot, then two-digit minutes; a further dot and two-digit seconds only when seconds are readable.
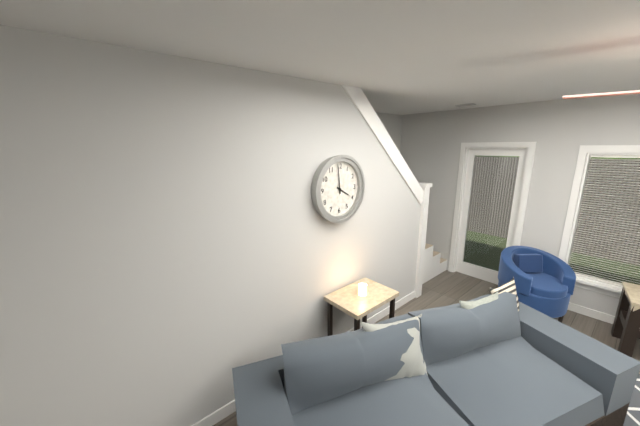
3.59
